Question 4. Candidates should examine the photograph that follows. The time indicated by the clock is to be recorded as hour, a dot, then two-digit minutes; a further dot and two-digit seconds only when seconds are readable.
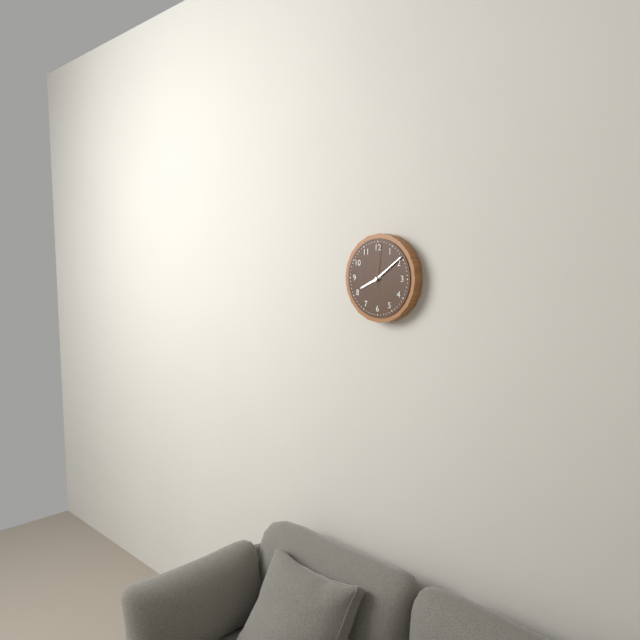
8.09
